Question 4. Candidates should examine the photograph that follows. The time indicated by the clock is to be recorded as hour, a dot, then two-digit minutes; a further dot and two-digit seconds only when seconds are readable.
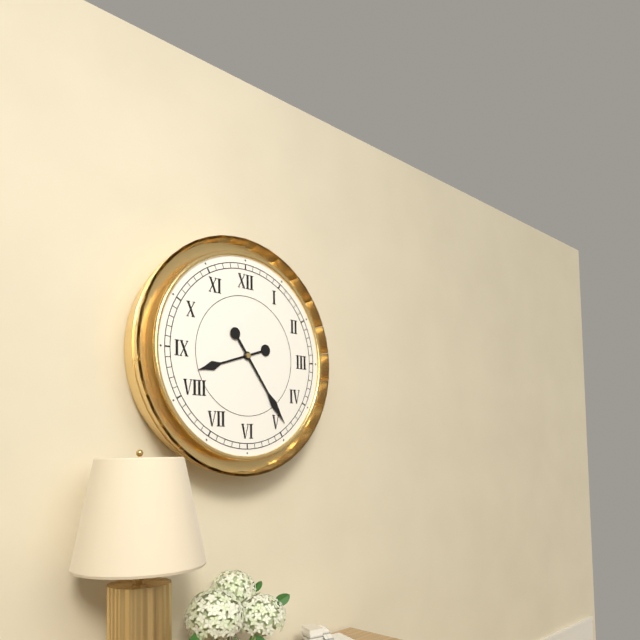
8.24
